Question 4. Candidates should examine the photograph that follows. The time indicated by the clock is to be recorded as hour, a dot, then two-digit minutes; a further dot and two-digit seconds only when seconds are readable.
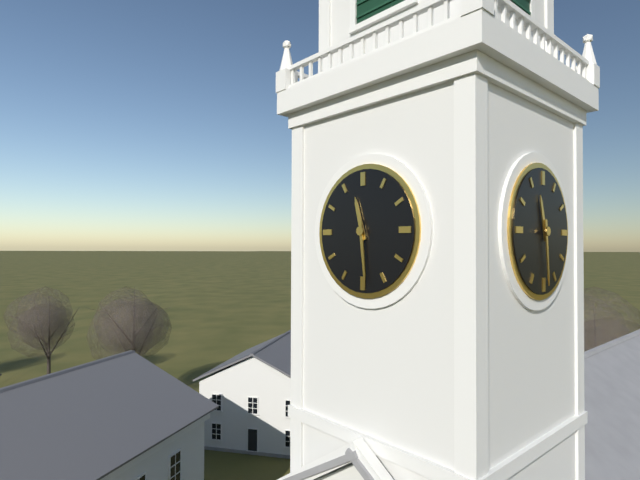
11.29
